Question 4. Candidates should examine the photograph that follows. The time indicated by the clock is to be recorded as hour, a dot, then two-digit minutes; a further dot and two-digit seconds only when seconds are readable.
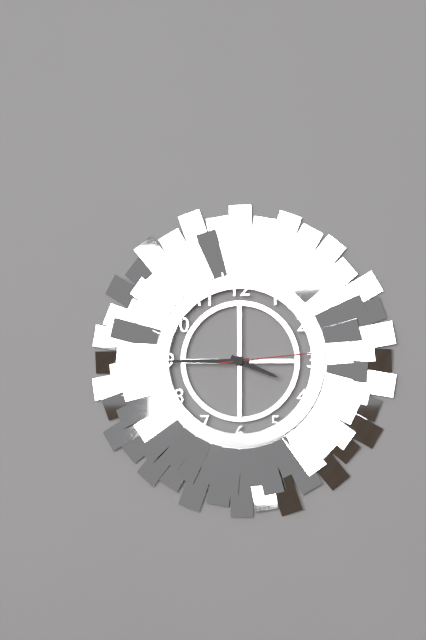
3.45.14
